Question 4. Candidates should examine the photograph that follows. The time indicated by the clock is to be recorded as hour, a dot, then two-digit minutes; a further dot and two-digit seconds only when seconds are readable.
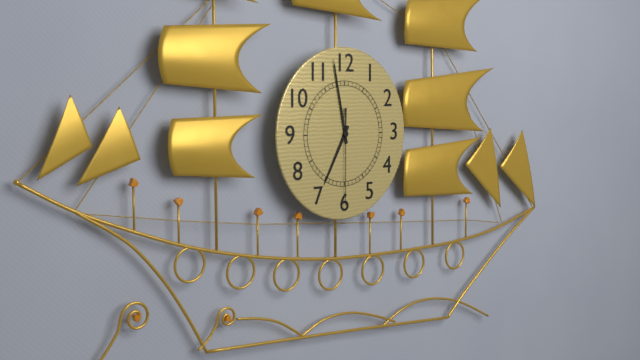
6.58.30
